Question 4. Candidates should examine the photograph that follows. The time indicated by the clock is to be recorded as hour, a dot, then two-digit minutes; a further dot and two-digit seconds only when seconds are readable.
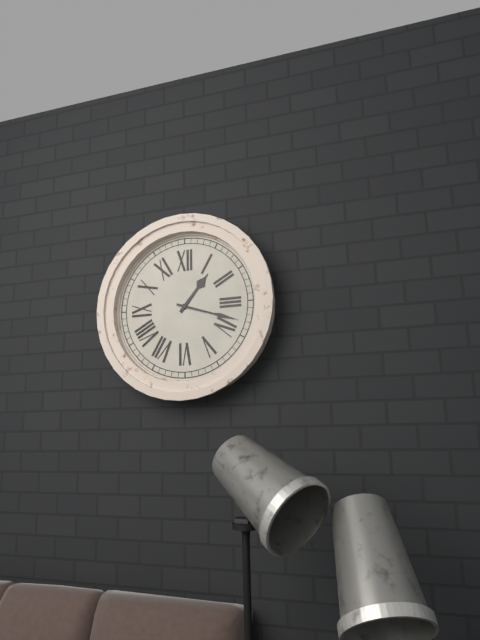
1.18
